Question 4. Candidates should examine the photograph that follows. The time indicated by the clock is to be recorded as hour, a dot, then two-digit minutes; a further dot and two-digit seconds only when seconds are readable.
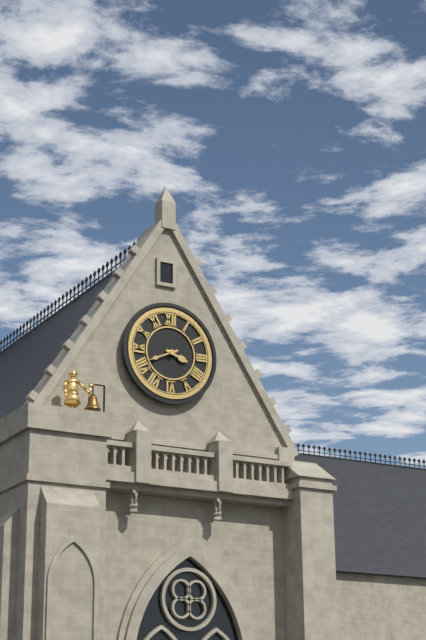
3.41
